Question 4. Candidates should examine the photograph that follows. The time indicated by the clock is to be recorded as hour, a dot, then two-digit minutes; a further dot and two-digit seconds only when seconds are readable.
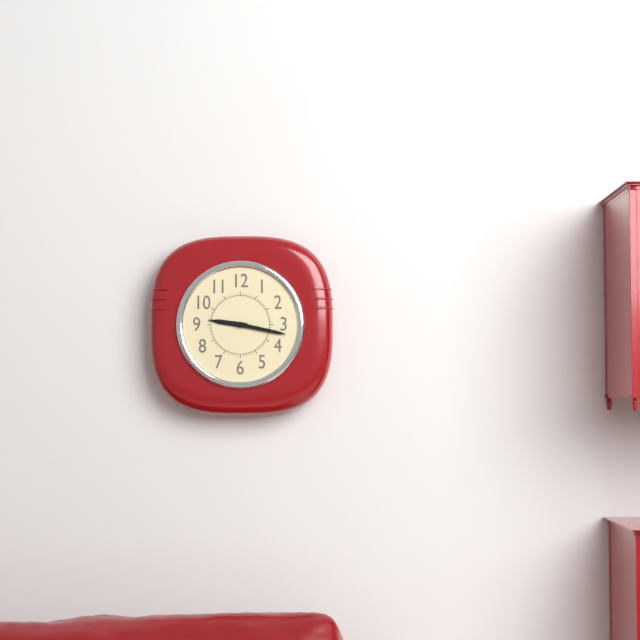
9.17
